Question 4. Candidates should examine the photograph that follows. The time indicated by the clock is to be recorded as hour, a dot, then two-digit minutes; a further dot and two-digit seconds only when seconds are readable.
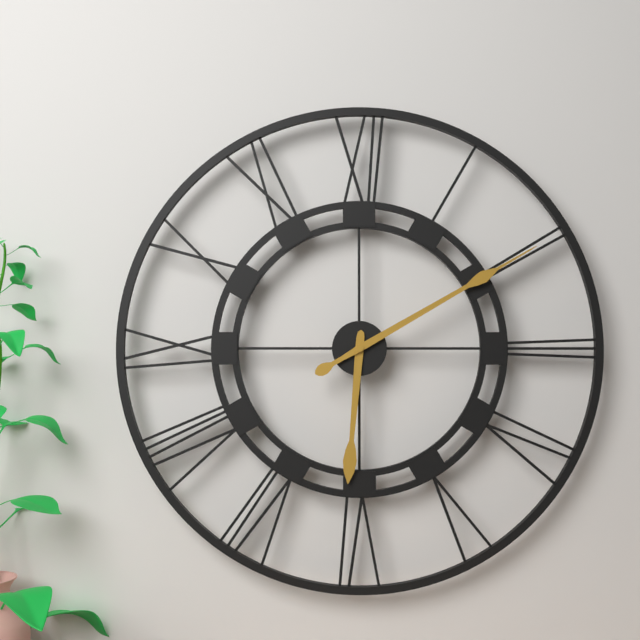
6.10
